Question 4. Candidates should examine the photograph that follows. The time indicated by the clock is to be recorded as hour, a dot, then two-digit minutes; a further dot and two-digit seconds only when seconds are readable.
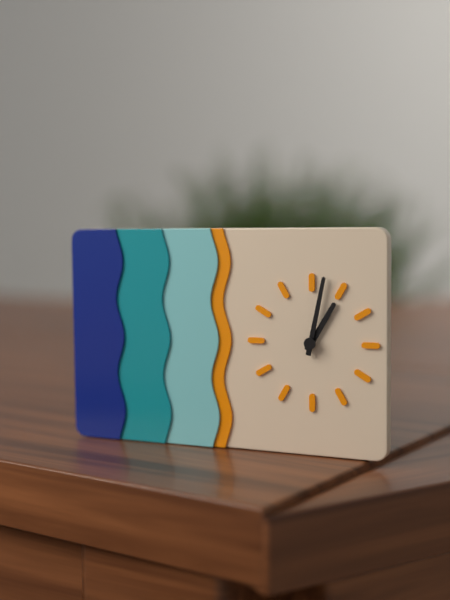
1.02
